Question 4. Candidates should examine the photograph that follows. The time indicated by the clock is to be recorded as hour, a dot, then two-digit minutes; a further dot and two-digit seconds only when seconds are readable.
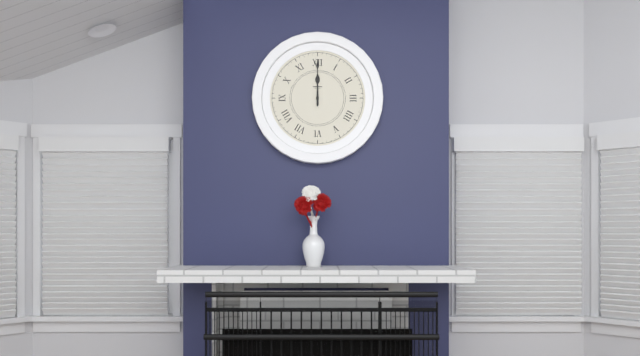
12.00
